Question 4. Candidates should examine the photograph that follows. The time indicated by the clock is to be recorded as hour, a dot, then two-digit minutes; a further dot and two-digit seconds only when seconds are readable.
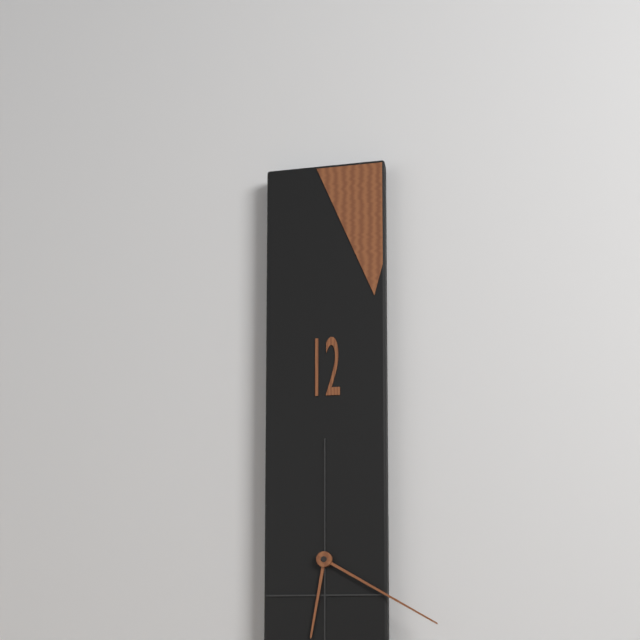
6.20
